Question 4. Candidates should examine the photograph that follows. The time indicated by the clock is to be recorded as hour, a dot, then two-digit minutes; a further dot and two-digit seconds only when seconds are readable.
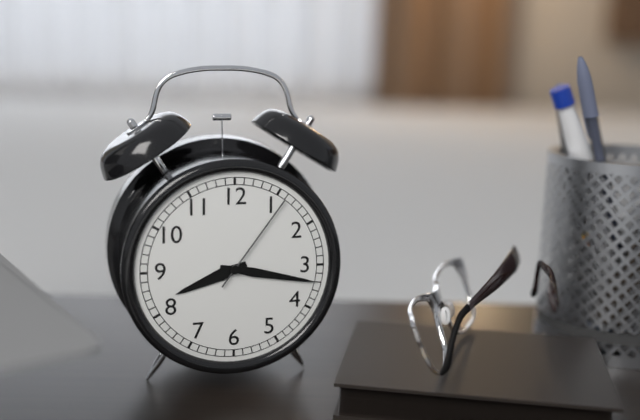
8.17.06
